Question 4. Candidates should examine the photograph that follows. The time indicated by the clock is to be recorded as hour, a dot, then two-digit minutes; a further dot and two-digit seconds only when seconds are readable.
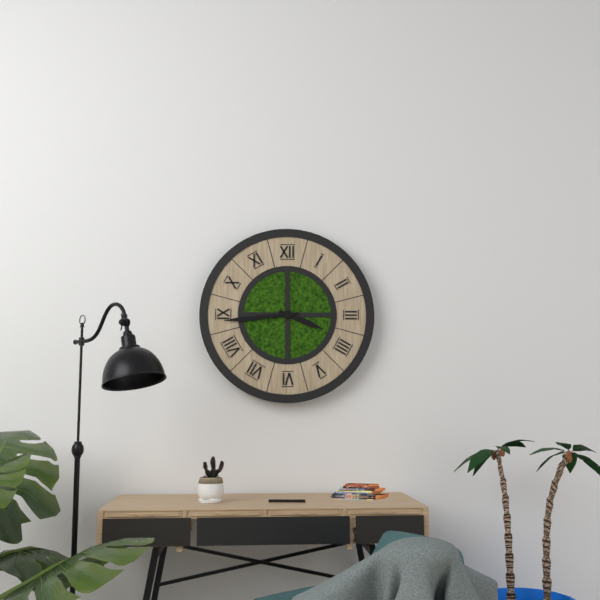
3.44
